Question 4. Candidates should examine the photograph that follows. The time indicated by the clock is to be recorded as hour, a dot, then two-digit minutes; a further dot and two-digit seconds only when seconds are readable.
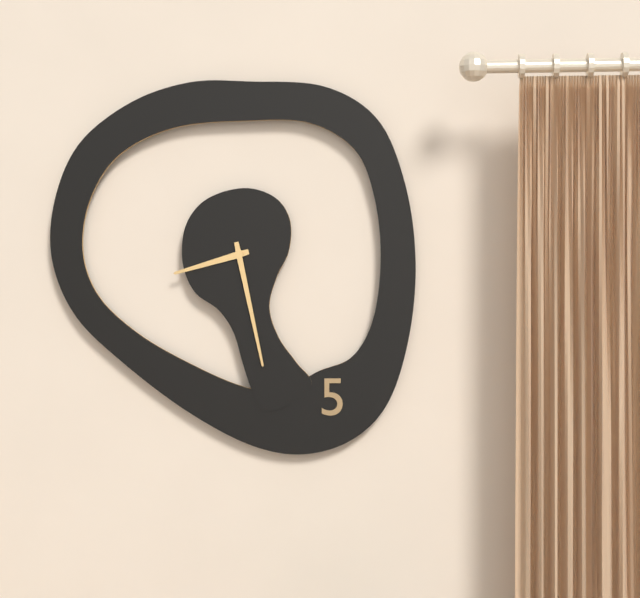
8.28
